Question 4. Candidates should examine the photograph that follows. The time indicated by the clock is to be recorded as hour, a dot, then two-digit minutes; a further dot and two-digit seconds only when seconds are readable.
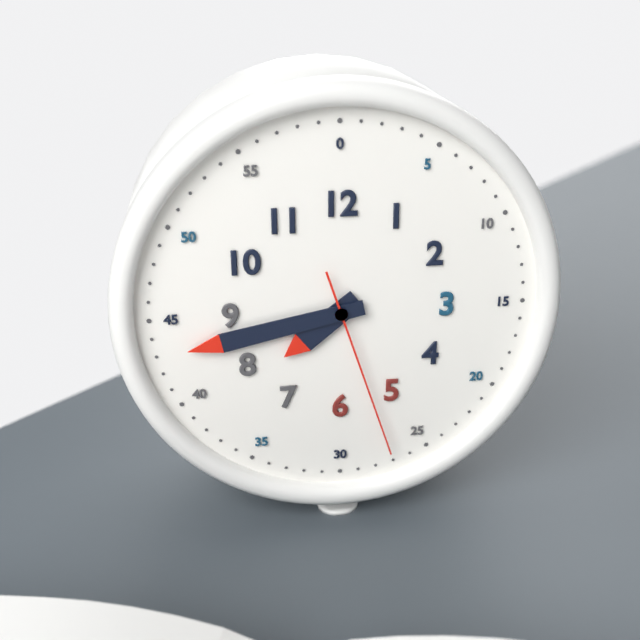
7.43.27
